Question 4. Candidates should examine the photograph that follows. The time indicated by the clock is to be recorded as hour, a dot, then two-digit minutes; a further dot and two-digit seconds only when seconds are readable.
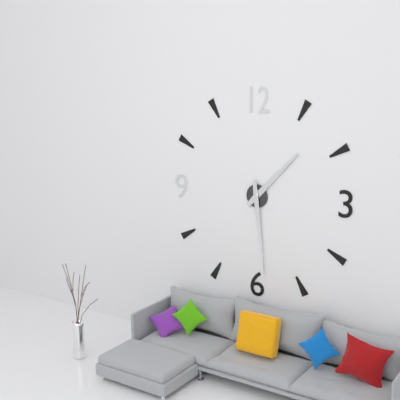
1.29
